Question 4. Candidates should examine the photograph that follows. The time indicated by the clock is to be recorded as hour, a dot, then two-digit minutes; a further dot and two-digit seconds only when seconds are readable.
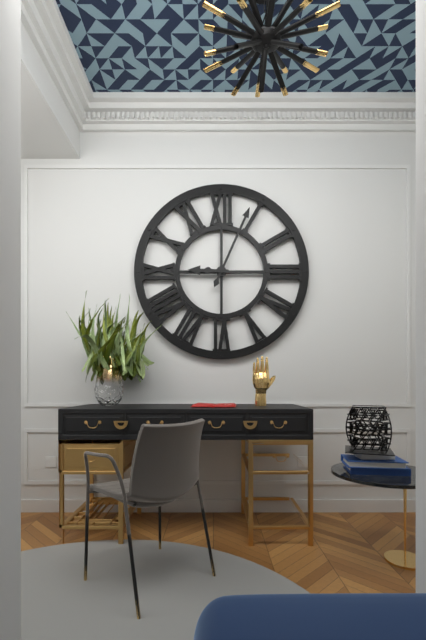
9.04
